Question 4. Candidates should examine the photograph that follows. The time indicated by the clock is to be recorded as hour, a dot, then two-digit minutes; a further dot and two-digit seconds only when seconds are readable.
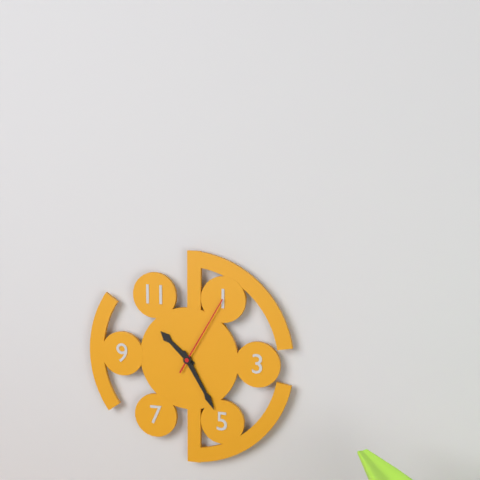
10.25.05
